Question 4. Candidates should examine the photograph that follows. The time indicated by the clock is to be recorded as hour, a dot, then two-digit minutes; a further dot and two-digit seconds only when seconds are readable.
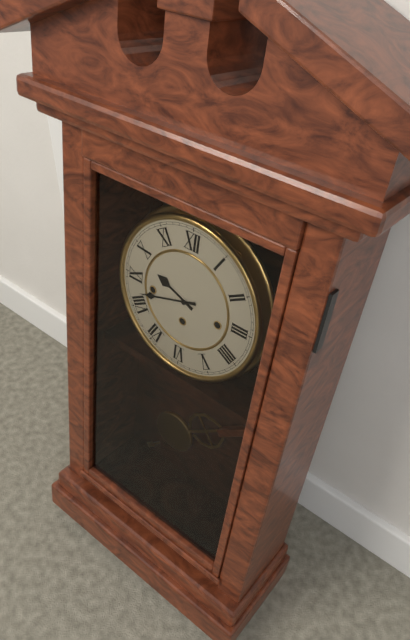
9.42
